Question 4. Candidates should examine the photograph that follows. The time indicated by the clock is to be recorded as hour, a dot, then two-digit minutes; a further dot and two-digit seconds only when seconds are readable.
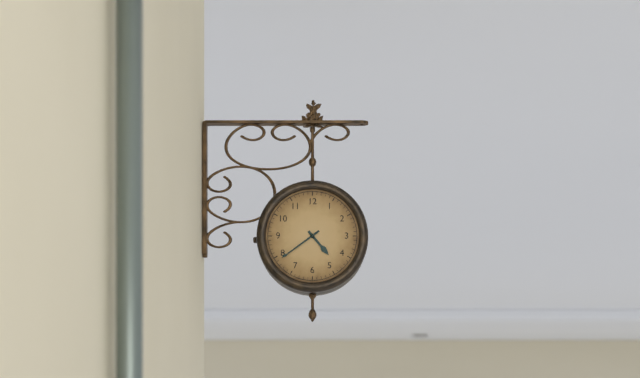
4.39
